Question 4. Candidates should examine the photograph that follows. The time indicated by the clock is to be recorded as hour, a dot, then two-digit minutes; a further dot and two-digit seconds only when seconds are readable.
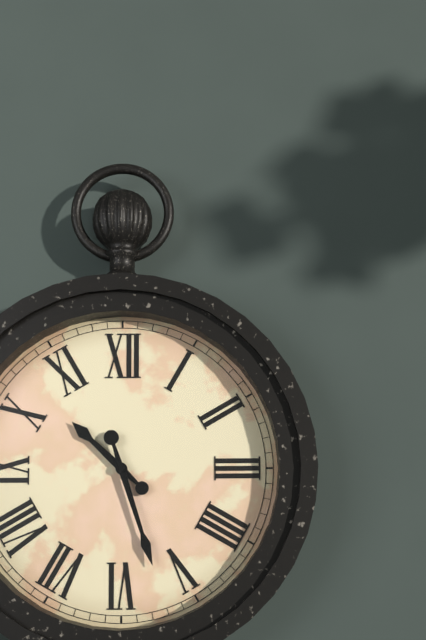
10.27
